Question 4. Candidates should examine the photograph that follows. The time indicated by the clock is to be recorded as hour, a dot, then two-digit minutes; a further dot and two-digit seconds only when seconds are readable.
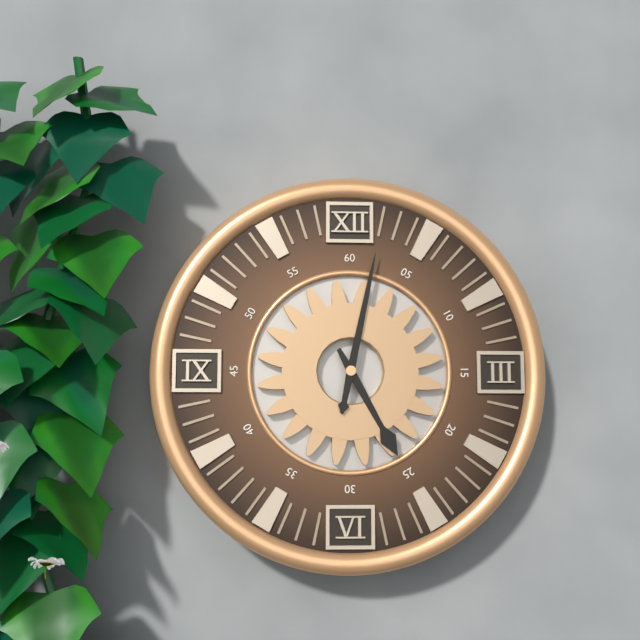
5.02
